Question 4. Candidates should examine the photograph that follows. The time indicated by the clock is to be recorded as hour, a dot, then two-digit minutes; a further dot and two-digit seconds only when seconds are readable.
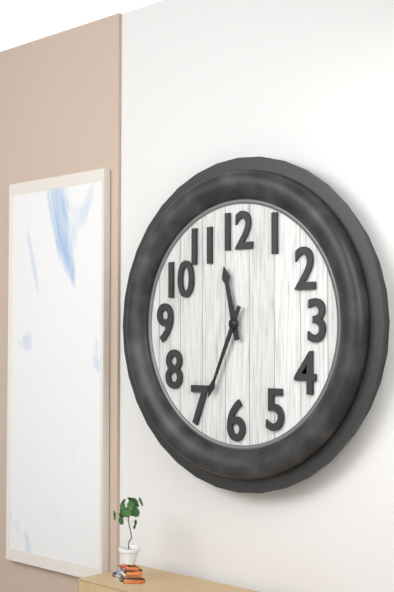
11.34
